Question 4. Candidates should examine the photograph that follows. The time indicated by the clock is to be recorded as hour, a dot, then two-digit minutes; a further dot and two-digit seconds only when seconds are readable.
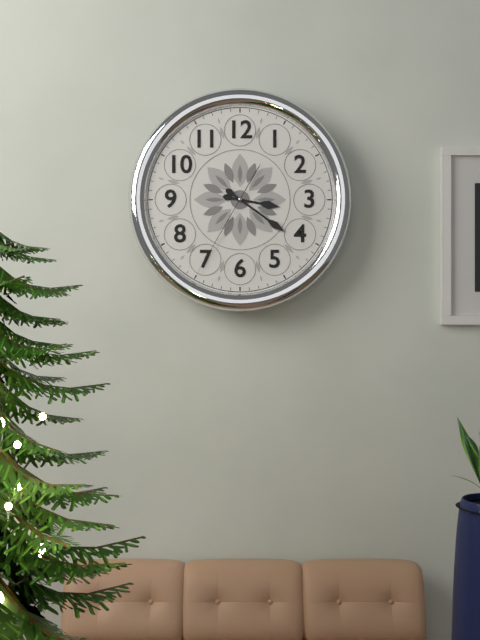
3.21.35
